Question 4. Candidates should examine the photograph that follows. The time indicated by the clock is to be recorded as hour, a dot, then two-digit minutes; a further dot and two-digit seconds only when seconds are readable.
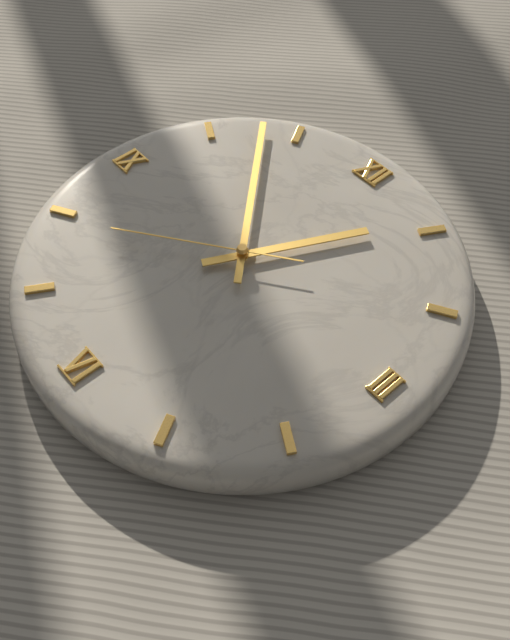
12.53.39
